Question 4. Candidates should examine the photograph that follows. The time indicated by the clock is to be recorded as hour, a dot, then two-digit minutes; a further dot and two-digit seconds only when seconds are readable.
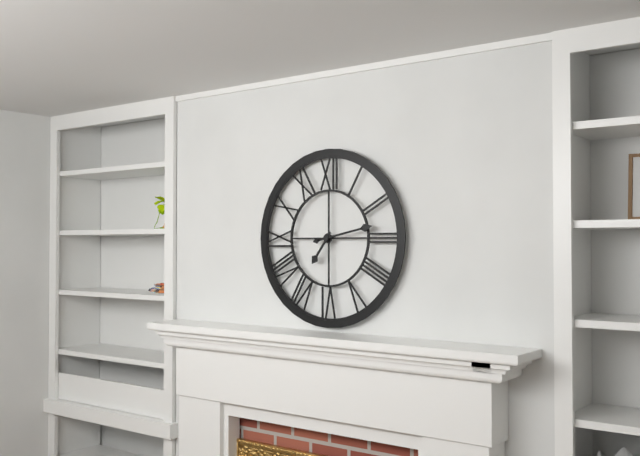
7.13
